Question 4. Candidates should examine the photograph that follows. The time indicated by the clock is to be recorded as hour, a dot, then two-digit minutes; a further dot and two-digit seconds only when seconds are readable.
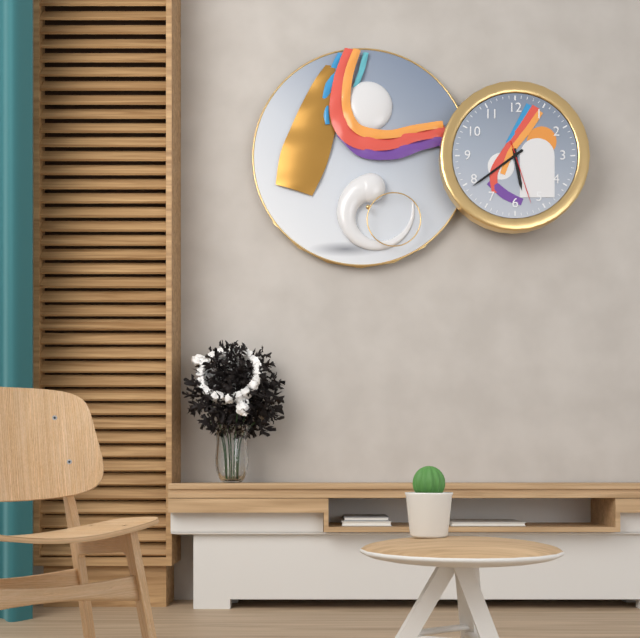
5.39.27
